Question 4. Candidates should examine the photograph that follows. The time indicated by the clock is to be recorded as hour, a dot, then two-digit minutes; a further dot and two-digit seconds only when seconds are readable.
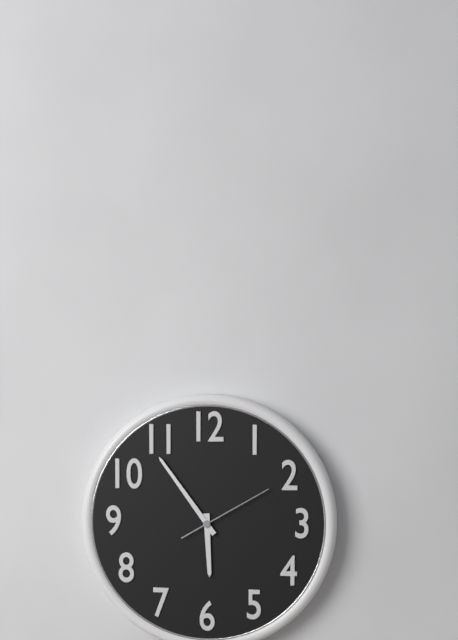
5.54.10
